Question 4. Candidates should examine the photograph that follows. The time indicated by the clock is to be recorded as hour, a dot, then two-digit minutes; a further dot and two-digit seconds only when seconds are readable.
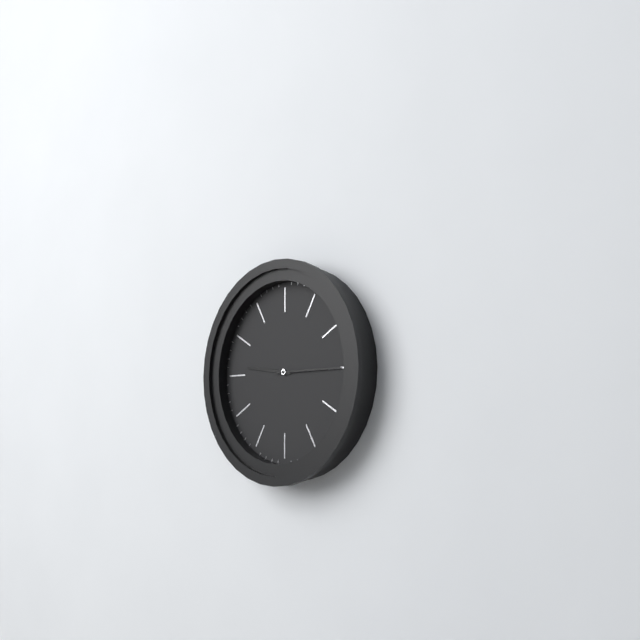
9.15
